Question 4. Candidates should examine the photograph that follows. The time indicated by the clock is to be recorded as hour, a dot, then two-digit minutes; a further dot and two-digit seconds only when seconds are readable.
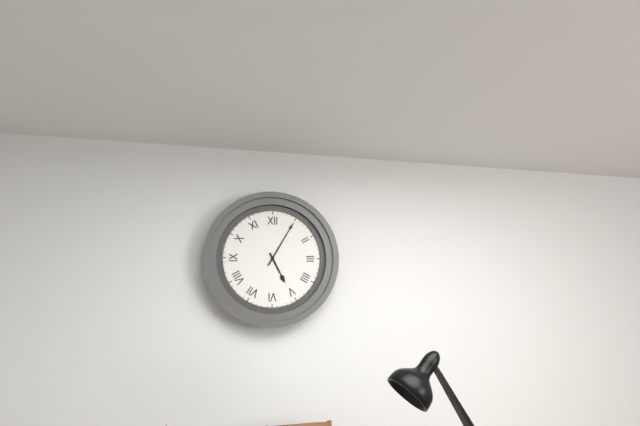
5.05
